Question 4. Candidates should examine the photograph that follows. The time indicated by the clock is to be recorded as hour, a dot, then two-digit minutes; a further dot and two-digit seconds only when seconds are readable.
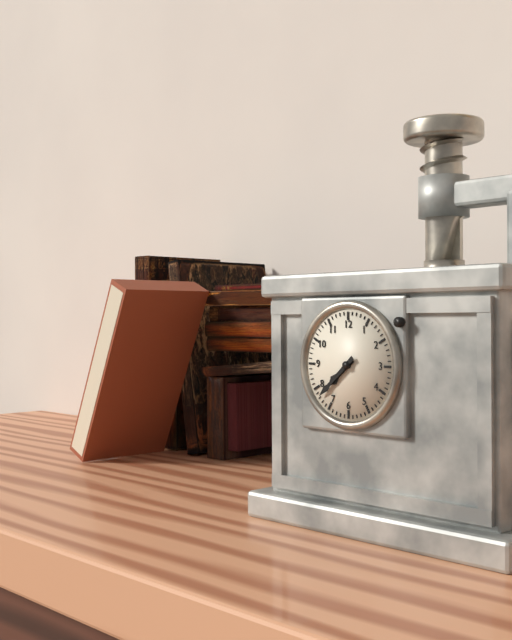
7.38
